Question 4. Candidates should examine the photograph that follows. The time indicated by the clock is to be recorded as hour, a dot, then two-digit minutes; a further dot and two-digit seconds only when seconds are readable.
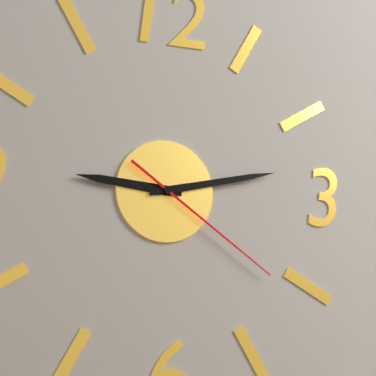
9.13.21
